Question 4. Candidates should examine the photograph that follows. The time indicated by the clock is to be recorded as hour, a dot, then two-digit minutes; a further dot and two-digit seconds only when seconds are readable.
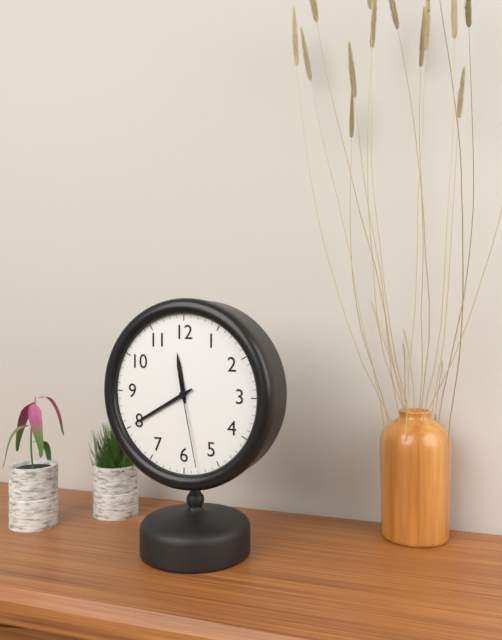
11.40.28
